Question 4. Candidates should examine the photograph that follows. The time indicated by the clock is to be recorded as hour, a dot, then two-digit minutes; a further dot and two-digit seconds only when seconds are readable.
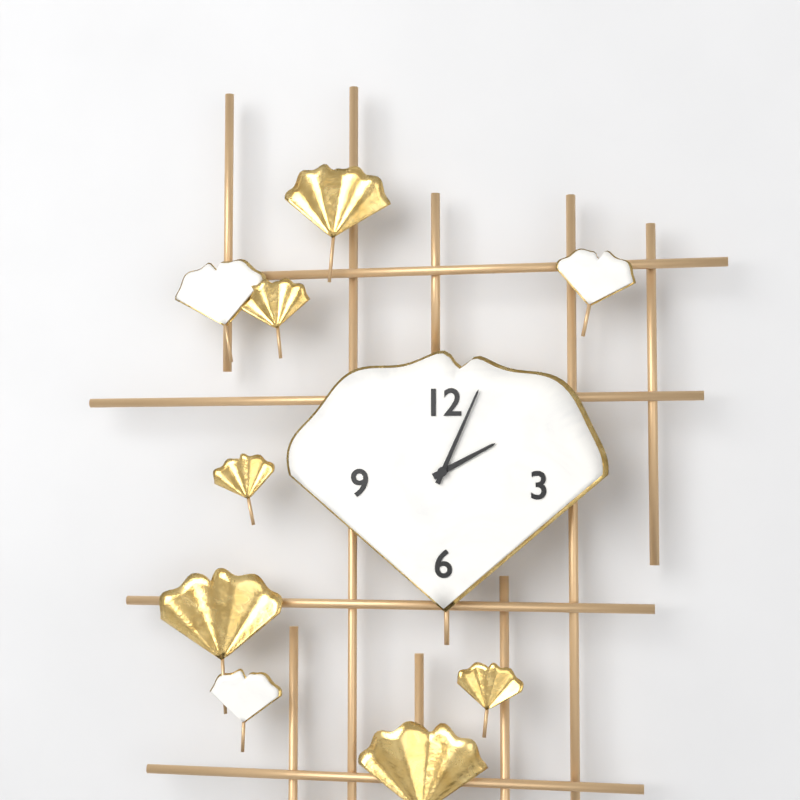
2.04
